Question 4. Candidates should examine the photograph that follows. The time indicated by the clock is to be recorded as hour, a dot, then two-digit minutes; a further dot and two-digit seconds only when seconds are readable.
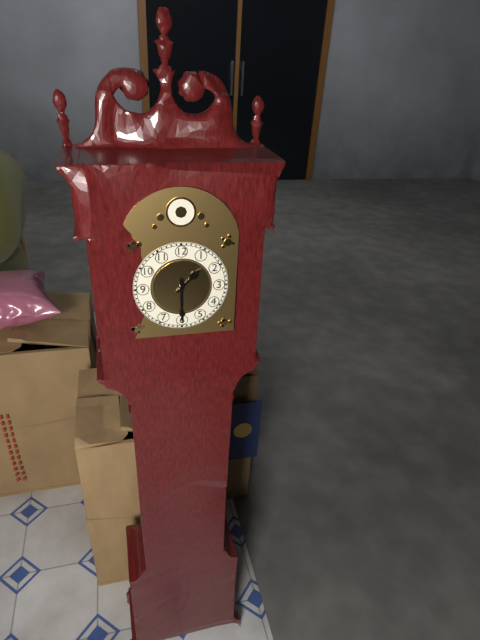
1.30
